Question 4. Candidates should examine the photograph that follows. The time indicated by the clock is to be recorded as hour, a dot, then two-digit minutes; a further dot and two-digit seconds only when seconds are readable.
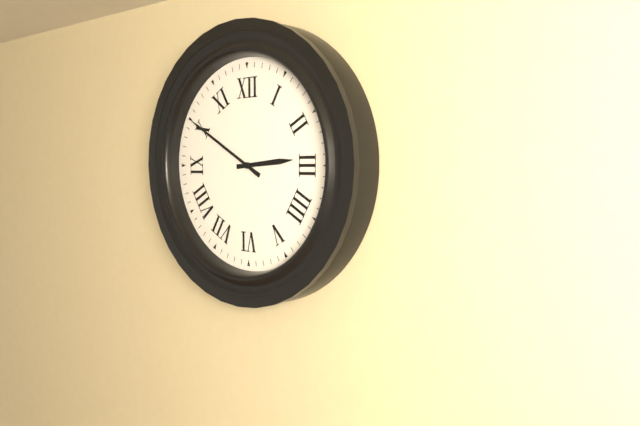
2.50
